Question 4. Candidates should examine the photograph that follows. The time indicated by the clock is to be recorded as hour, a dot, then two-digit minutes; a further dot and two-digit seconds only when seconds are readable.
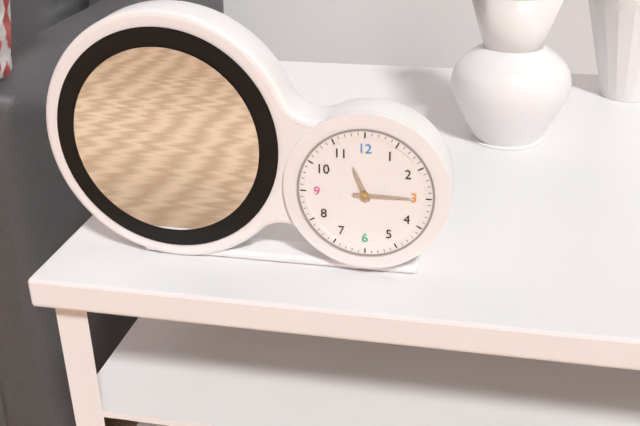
11.15
